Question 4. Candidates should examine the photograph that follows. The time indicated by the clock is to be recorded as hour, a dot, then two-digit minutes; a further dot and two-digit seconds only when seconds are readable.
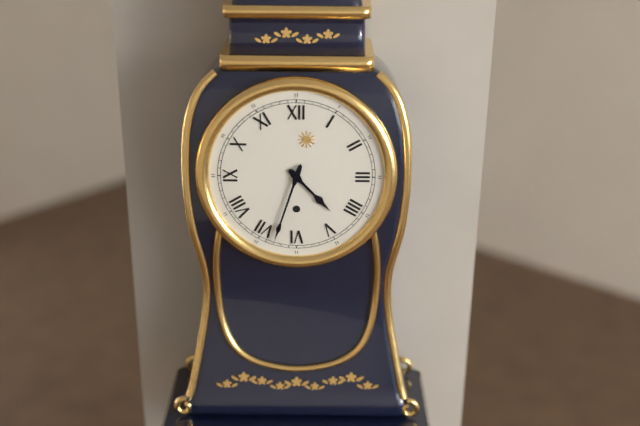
4.33
